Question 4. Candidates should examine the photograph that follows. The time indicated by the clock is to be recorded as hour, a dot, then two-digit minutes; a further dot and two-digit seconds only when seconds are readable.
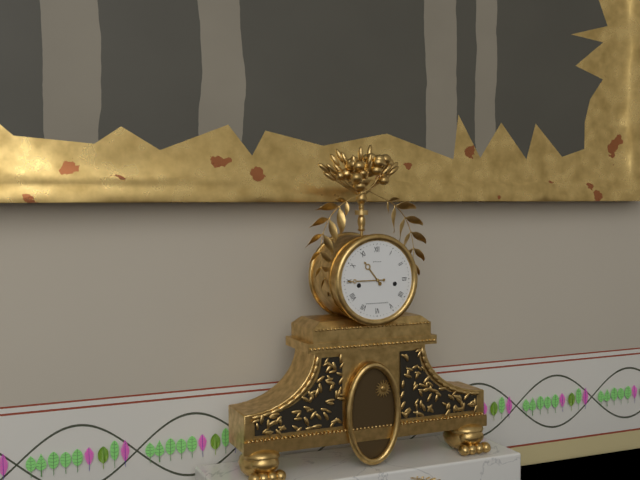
10.45
